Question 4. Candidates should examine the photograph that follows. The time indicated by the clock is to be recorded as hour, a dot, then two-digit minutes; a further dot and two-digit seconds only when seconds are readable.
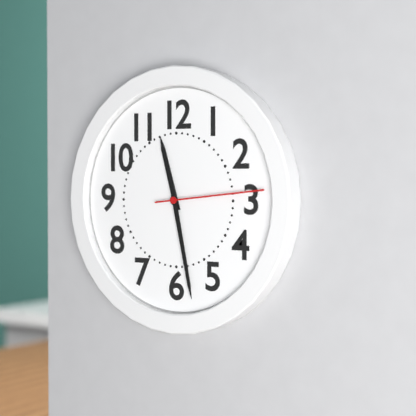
11.28.14
